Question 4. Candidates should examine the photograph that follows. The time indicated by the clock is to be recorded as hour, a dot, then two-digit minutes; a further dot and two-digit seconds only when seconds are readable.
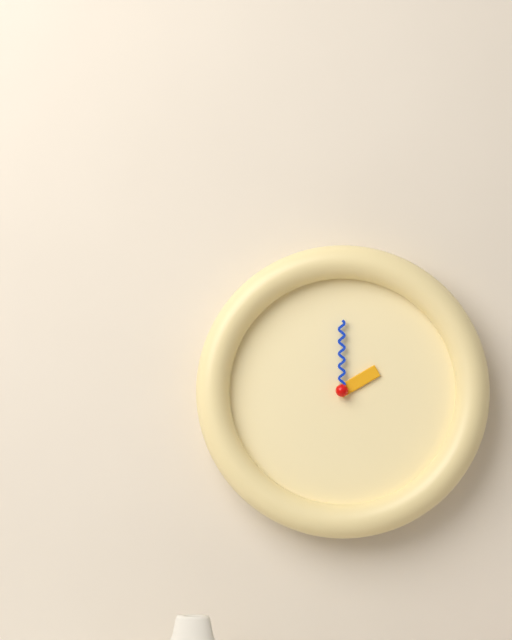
2.00
